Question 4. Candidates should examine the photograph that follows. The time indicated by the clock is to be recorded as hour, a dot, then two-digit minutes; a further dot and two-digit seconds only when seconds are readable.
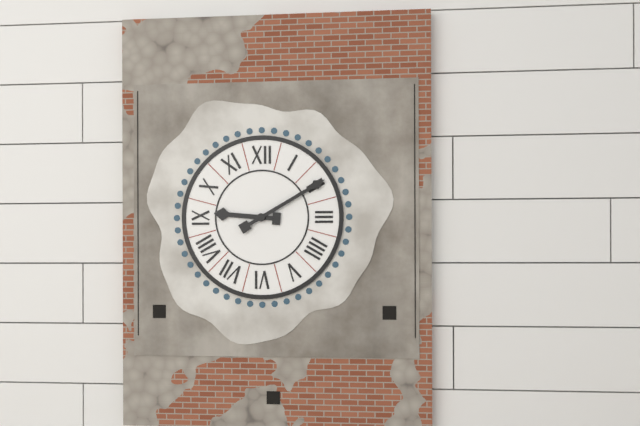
9.10
